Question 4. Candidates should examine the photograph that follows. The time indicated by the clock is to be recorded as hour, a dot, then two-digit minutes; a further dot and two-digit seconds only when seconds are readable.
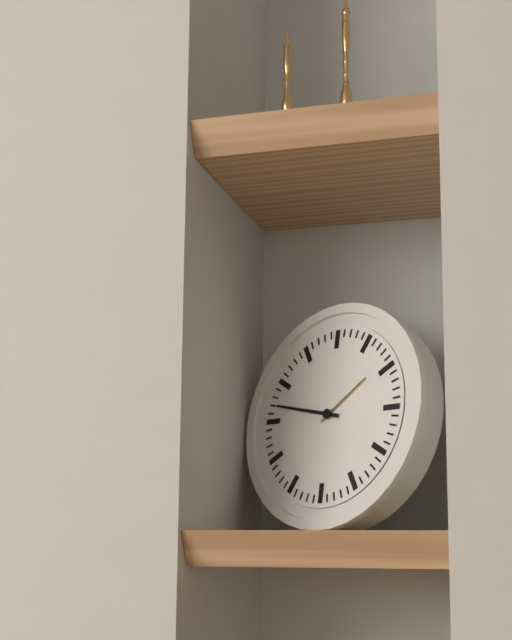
1.47
